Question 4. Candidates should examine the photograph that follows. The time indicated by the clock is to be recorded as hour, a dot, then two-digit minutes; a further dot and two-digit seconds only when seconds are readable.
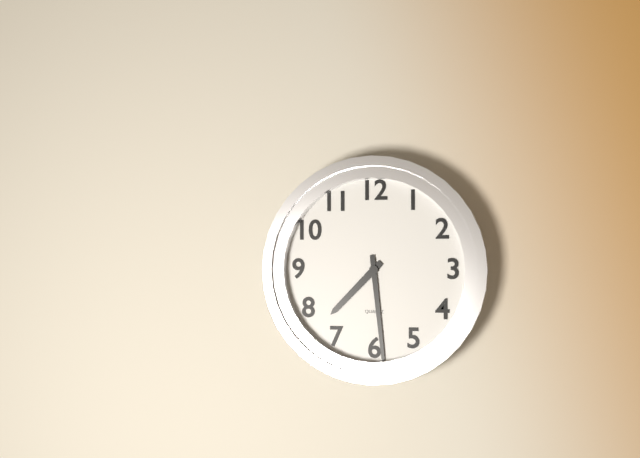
7.29
